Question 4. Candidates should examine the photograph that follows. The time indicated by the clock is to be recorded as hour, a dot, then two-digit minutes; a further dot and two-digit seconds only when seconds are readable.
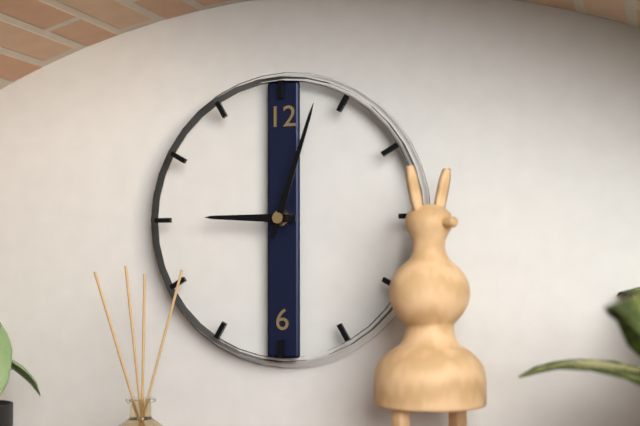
9.03
